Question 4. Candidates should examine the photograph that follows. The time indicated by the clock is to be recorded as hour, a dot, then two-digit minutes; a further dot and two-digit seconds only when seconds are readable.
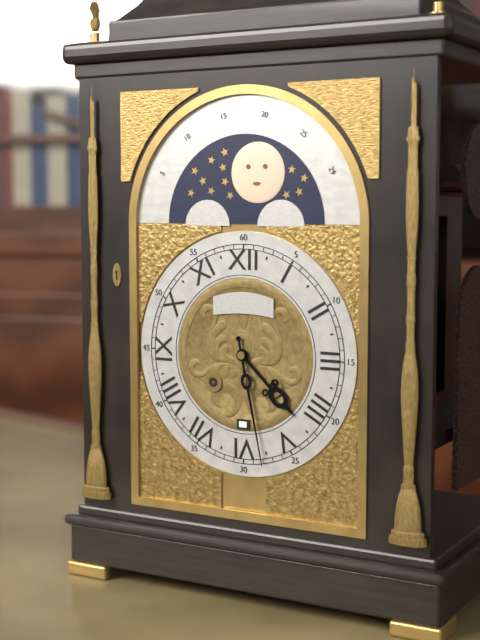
4.28
